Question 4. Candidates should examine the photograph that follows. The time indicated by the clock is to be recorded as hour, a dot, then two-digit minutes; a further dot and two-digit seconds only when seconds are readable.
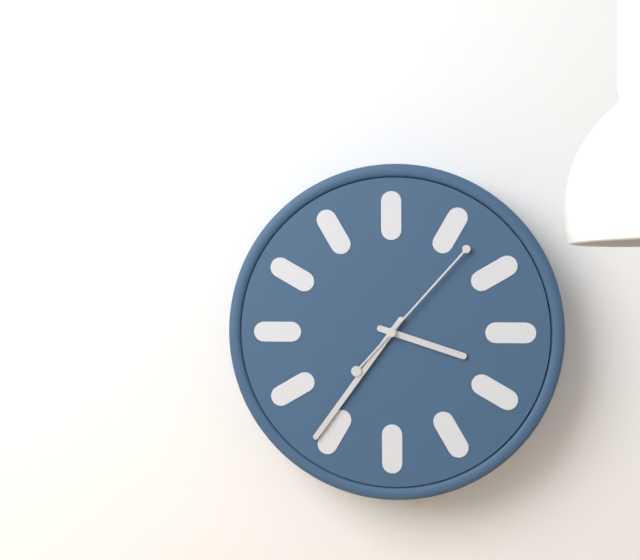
3.36.07
